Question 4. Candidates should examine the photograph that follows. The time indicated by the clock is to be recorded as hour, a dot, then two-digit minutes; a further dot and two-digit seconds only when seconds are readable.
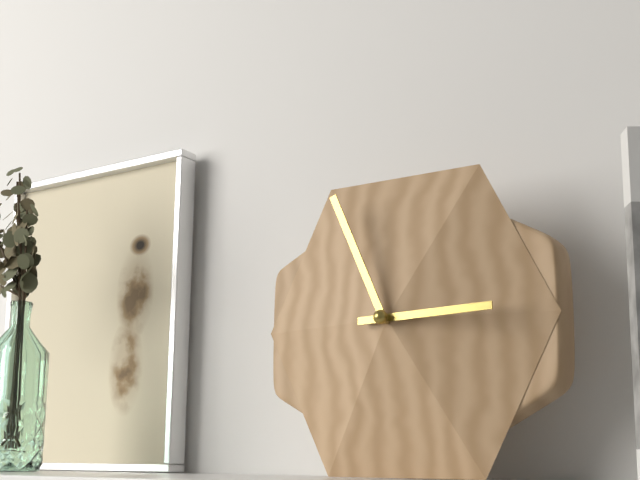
2.56
